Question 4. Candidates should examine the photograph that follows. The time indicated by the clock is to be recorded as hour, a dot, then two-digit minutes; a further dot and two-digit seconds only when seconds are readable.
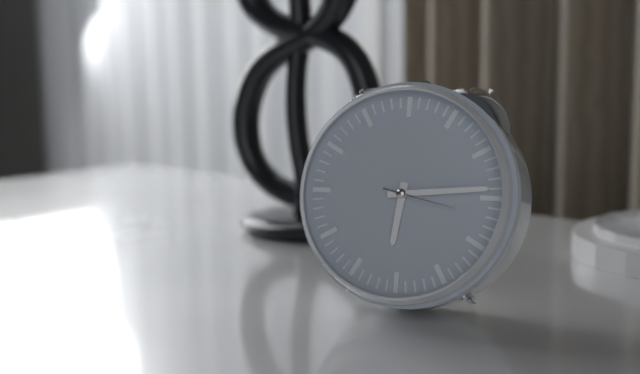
6.14.17
